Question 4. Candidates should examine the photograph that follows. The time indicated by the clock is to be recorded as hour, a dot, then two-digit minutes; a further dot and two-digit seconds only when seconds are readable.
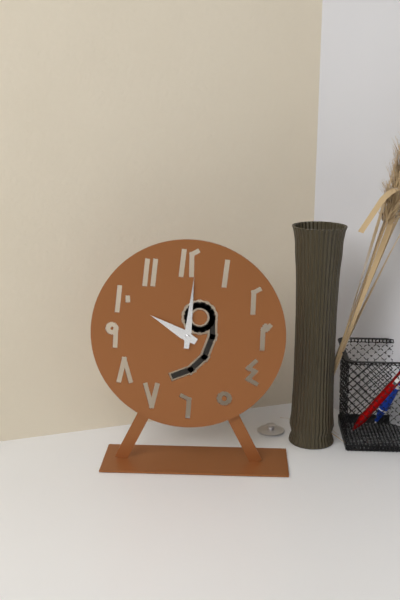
10.01
